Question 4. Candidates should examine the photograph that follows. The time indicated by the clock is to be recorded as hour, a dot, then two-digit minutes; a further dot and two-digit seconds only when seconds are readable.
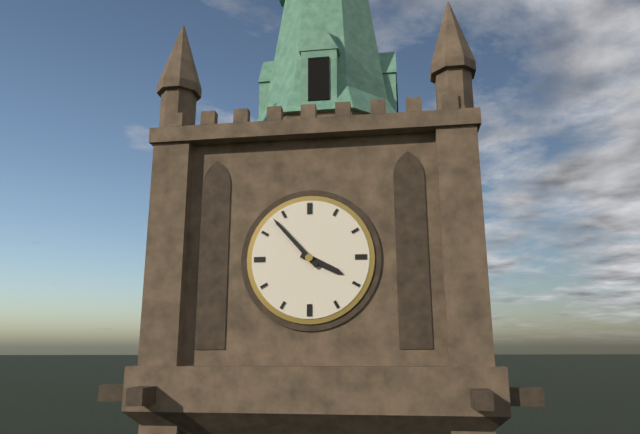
3.53
